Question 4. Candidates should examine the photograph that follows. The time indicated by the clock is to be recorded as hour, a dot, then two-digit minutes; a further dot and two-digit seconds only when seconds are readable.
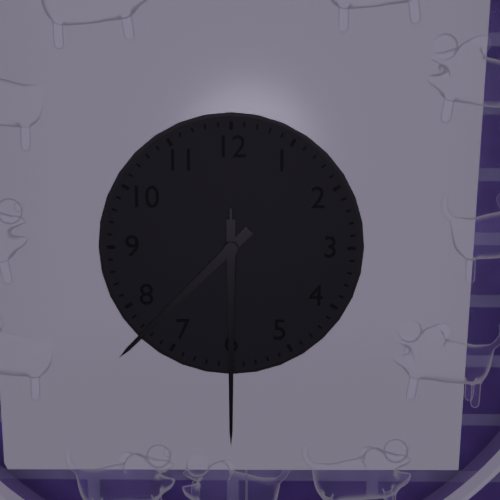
7.30.30
